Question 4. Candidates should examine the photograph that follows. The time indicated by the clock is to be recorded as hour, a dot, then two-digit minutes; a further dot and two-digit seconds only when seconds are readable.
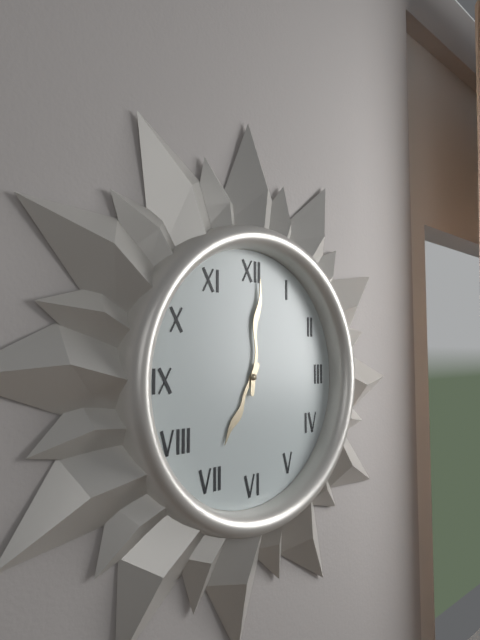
7.01
